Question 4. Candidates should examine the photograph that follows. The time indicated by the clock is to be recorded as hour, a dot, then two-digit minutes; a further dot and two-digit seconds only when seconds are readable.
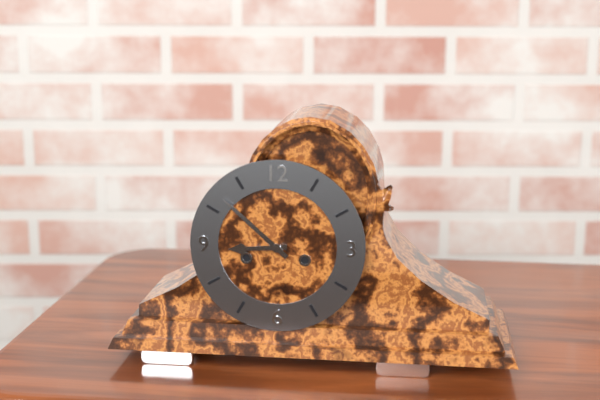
8.52
